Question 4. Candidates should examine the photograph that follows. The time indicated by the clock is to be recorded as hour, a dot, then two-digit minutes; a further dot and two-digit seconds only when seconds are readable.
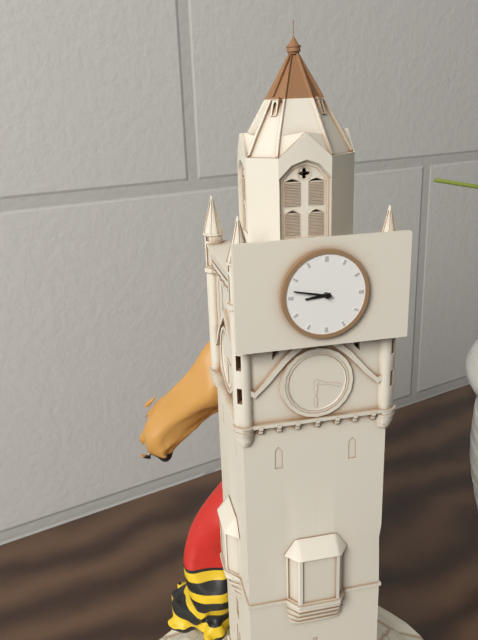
8.47
